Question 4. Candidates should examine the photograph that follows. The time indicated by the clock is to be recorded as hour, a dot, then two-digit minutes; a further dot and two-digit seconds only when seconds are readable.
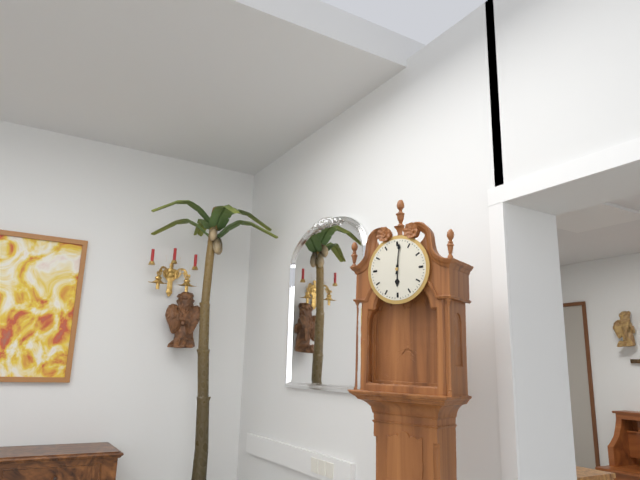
6.01
